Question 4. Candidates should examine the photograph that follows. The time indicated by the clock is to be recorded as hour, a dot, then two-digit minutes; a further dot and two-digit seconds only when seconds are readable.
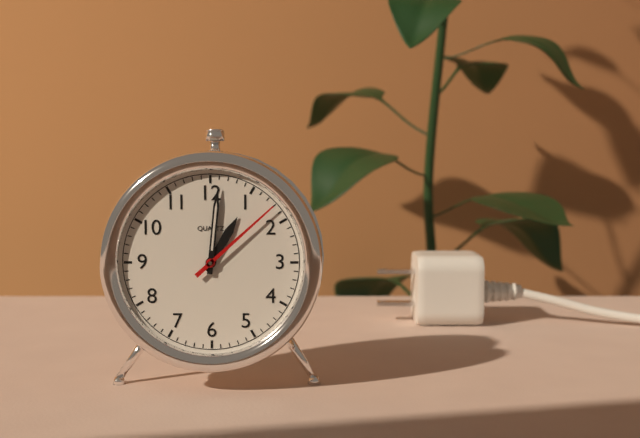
1.01.08
